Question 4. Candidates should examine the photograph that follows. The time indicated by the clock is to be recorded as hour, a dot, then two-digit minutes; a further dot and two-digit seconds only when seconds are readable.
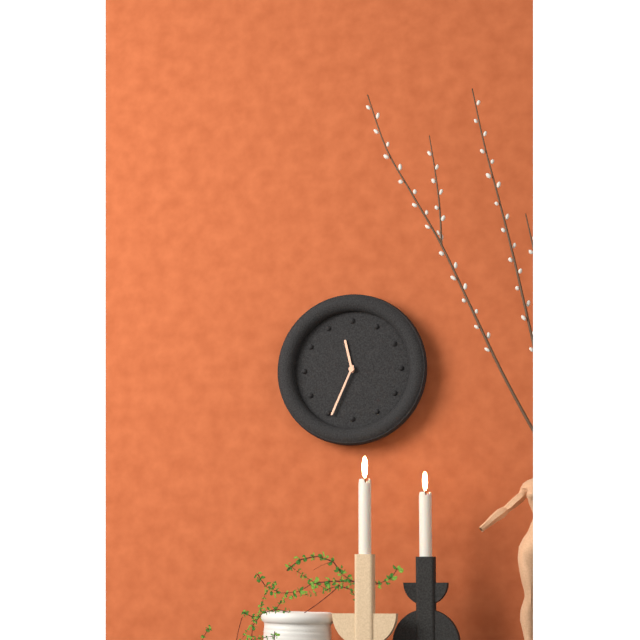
11.34
